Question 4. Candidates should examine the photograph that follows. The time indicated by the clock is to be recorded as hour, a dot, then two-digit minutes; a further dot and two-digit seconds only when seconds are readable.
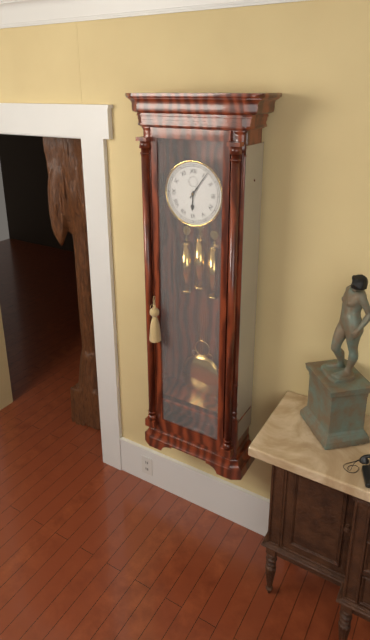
6.06
